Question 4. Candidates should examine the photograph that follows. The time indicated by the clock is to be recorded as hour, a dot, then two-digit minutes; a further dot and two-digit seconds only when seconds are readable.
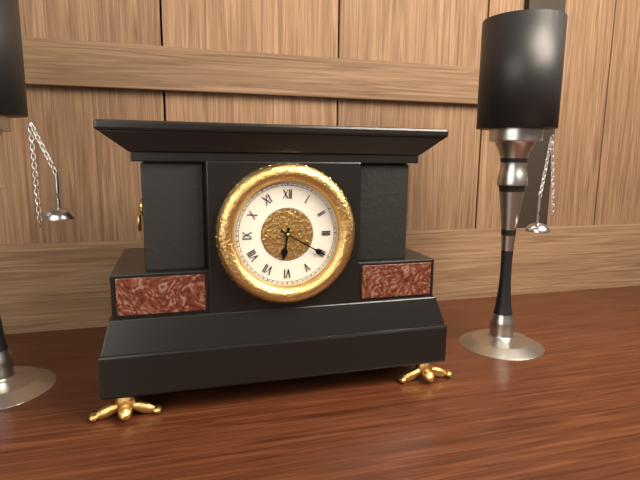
6.20
